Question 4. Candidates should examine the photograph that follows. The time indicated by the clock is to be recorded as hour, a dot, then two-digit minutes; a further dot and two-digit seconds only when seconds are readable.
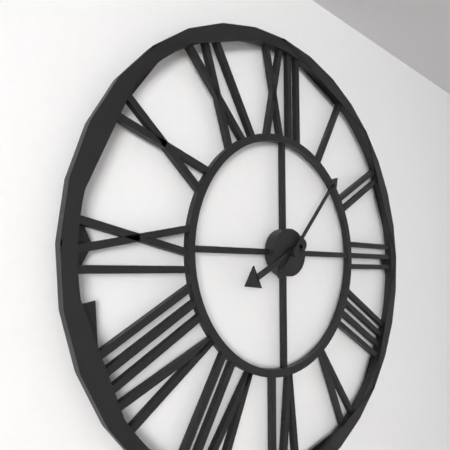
8.07
